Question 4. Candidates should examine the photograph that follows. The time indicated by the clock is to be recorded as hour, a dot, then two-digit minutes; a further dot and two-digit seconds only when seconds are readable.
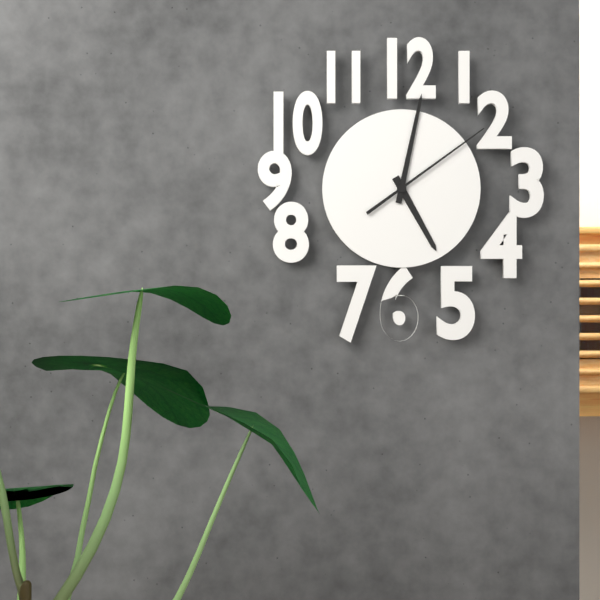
5.02.09
